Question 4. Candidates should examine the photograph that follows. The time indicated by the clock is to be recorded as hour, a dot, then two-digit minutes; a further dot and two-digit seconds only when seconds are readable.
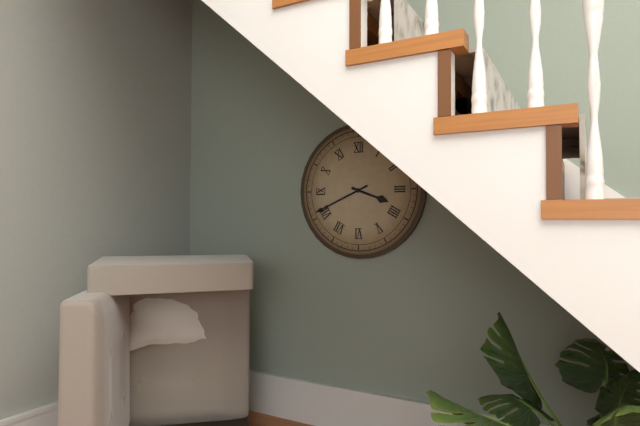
3.41
